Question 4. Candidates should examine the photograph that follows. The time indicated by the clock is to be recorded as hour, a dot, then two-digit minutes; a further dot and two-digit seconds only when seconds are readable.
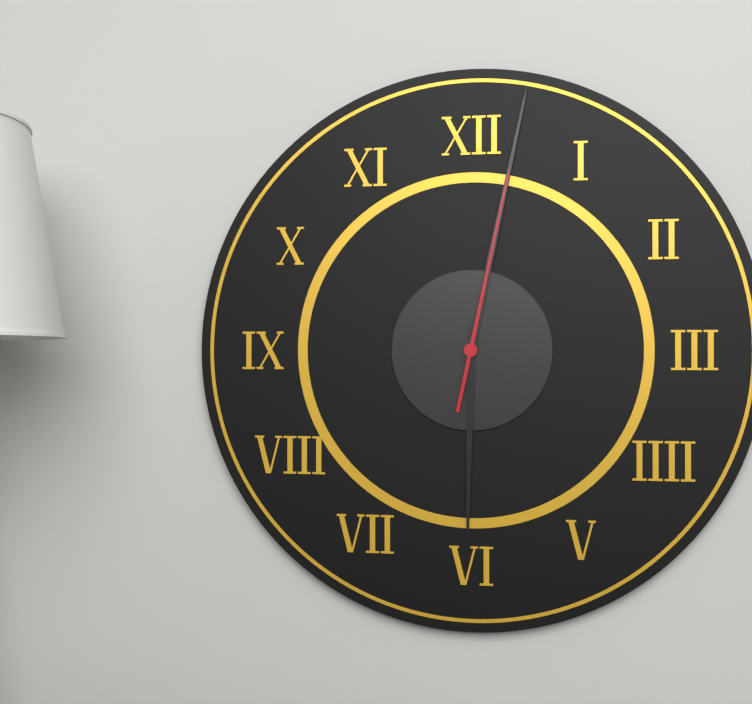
6.02.02
